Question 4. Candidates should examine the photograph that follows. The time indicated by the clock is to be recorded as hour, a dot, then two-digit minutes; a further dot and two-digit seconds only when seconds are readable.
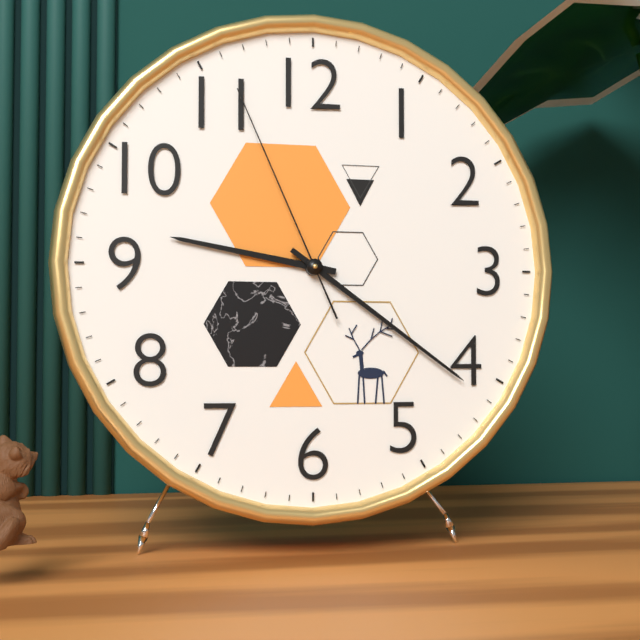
9.21.56
